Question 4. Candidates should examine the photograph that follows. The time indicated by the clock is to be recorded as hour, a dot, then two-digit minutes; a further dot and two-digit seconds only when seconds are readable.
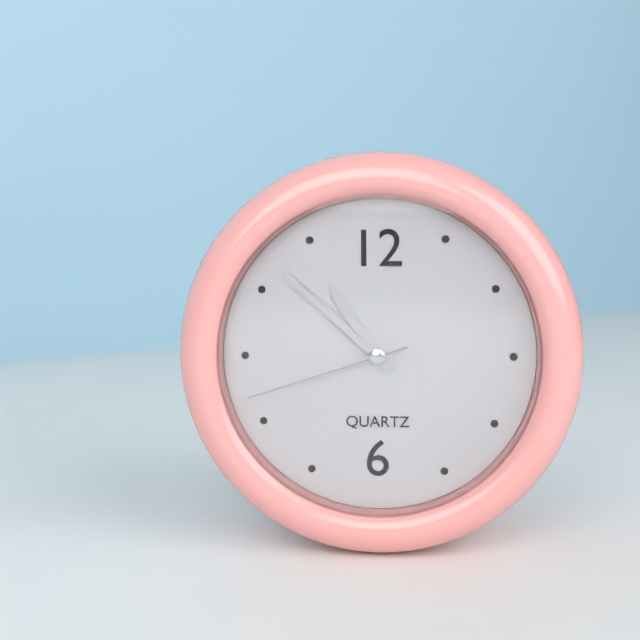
10.52.42
